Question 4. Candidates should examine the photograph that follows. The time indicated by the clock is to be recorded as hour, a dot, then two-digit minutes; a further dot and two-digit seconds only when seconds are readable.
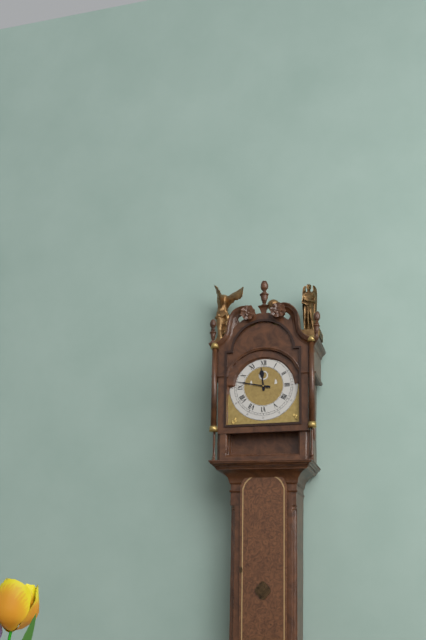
11.47
